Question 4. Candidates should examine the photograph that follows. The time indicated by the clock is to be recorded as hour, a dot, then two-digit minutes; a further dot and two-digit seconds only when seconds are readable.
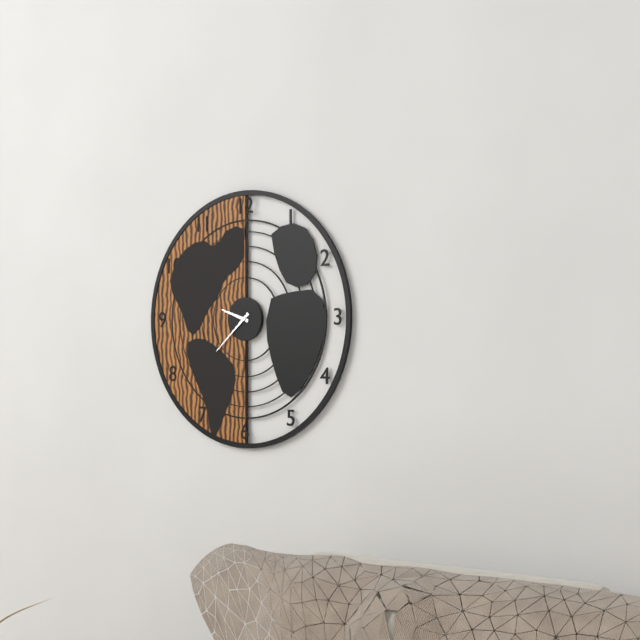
9.38
